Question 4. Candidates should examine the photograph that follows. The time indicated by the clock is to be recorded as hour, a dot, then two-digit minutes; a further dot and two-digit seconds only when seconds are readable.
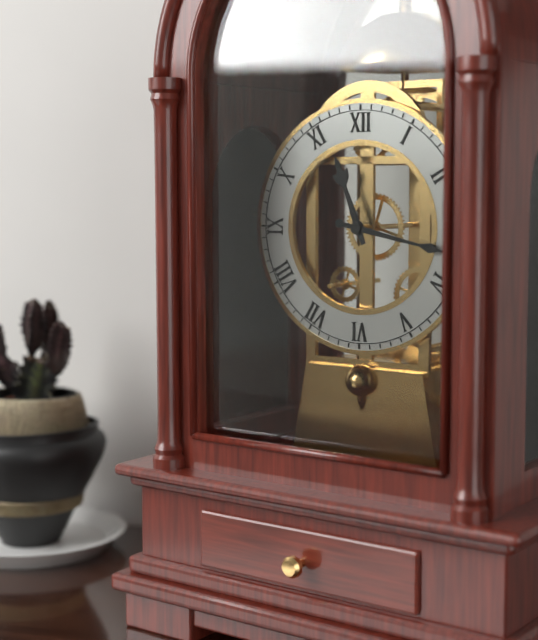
11.17
